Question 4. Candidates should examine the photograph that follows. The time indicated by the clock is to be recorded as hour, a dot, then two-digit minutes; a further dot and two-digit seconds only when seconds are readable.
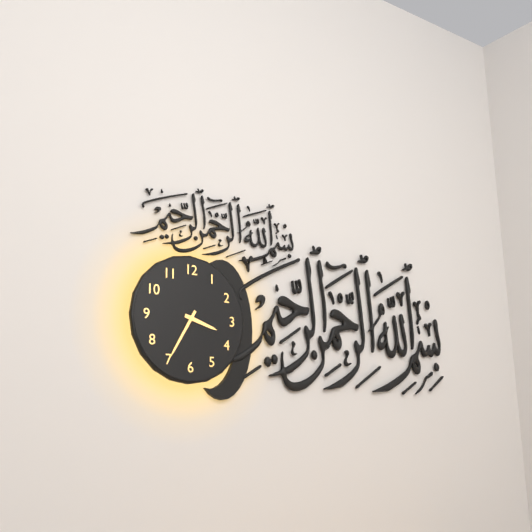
3.35
